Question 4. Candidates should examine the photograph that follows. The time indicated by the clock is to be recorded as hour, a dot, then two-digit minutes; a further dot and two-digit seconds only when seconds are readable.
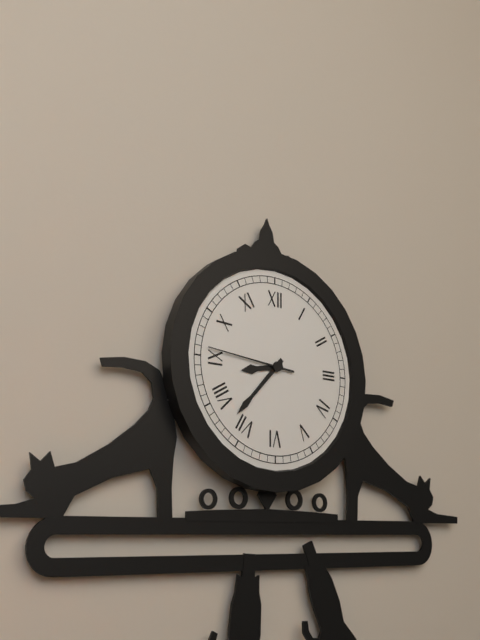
8.37.46
